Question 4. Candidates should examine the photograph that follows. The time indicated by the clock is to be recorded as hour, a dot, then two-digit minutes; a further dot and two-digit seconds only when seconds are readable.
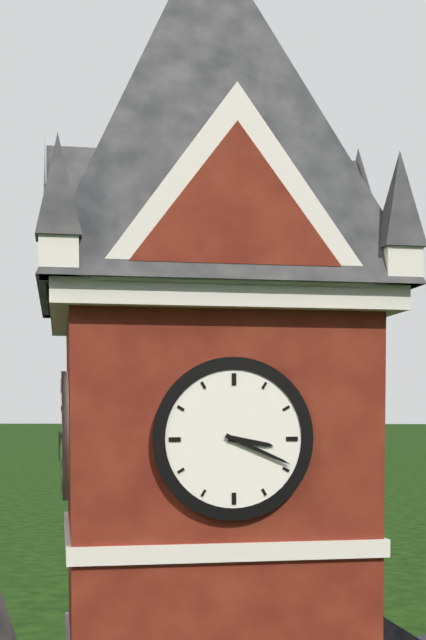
3.19
